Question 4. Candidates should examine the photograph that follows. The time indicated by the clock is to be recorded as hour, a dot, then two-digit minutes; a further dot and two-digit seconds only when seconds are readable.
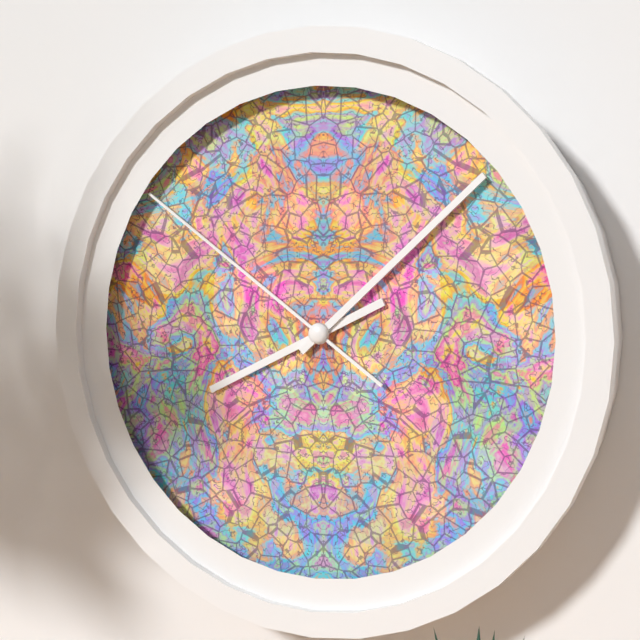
8.08.51
